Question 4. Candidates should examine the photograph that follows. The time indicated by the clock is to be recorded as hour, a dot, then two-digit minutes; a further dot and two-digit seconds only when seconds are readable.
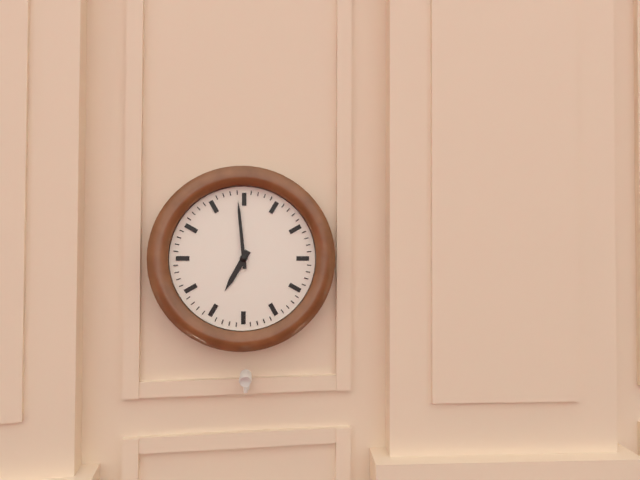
6.59
